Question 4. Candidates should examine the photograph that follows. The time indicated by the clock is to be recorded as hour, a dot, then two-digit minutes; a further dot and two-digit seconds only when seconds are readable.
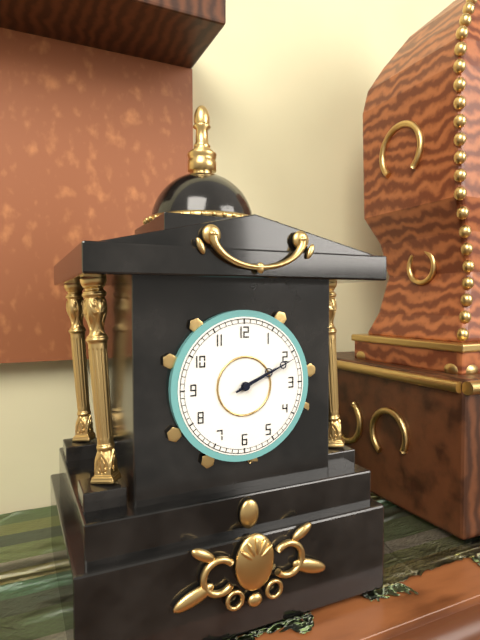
2.11
